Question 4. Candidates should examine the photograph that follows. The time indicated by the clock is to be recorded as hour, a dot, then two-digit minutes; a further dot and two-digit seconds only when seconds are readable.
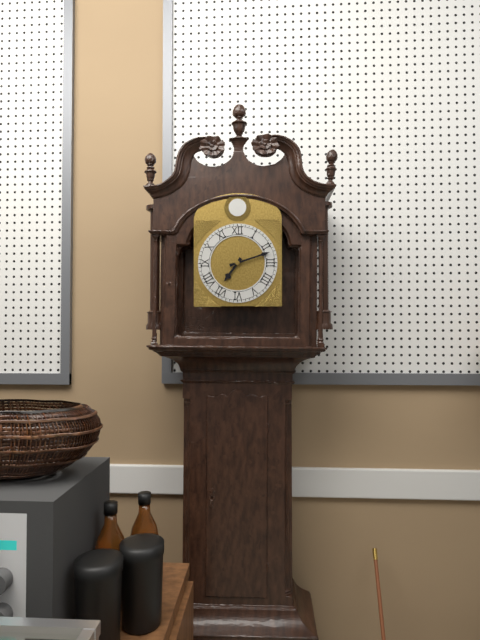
7.12
